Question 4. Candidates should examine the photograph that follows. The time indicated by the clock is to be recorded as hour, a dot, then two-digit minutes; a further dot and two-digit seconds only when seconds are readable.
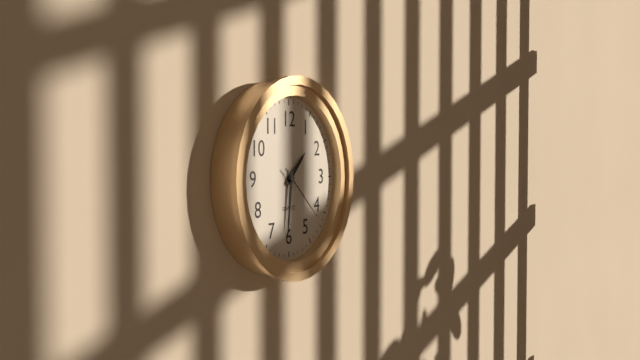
1.31.22
